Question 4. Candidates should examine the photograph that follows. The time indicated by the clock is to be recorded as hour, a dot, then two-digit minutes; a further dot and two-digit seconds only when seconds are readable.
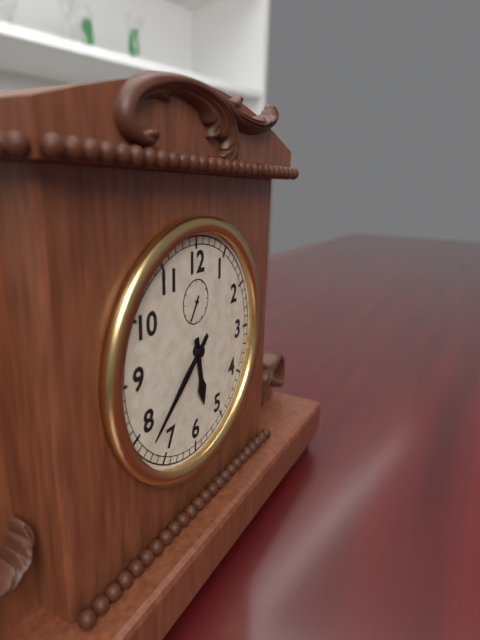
5.38
